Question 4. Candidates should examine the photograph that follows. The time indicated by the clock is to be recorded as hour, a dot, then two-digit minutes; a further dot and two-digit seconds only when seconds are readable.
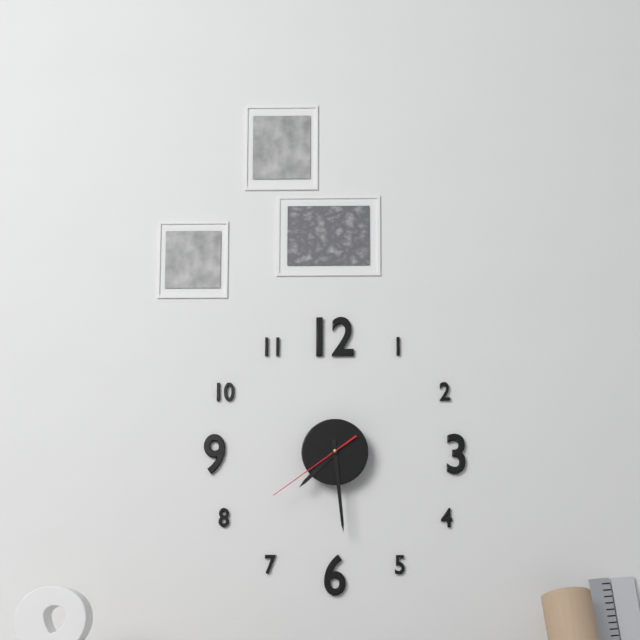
7.29.39
